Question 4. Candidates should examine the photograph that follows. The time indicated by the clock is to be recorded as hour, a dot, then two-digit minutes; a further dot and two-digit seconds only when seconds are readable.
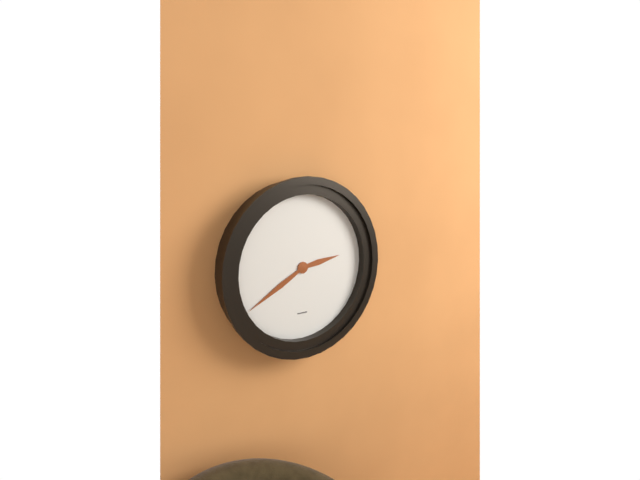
2.40
